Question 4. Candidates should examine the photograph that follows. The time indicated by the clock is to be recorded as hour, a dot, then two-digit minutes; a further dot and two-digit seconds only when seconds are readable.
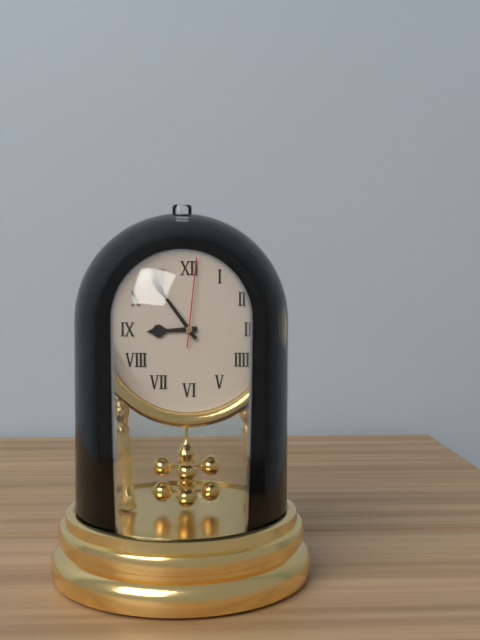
8.54.01
